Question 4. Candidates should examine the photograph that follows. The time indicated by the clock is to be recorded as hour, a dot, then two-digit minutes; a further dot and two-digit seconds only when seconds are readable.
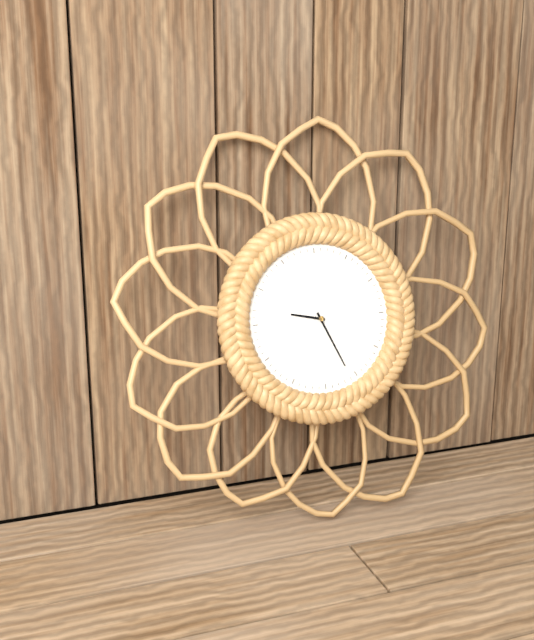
9.26
